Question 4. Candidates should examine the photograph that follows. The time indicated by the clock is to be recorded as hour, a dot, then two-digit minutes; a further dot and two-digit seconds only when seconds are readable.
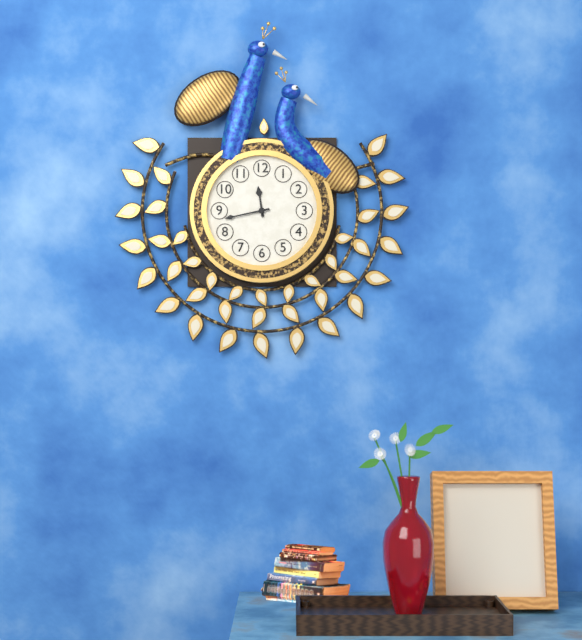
11.43
